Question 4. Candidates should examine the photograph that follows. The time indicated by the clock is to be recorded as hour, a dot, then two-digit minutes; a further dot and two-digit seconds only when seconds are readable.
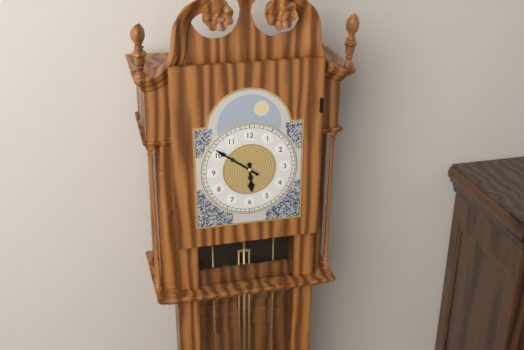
5.51
